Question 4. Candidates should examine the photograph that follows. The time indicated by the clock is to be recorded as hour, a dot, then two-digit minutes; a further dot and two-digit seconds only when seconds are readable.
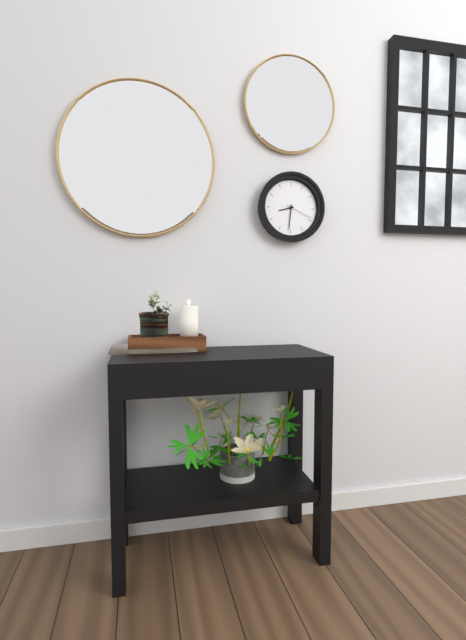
8.31
